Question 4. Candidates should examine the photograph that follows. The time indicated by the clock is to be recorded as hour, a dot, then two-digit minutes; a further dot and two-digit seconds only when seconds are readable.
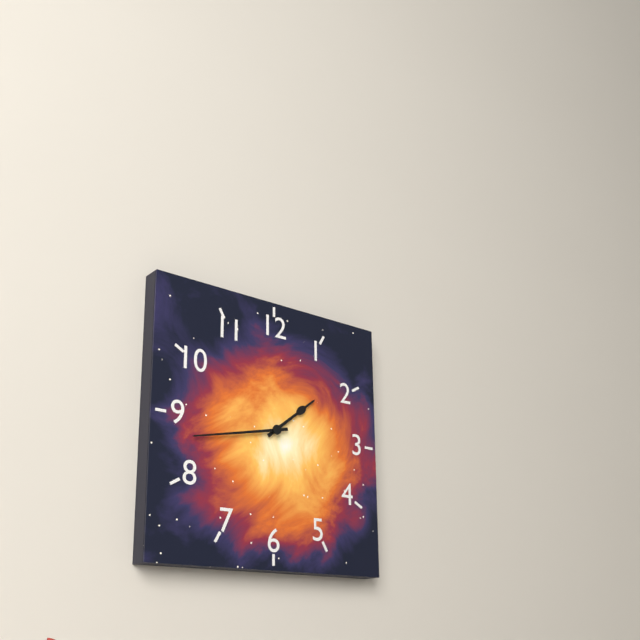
1.43
